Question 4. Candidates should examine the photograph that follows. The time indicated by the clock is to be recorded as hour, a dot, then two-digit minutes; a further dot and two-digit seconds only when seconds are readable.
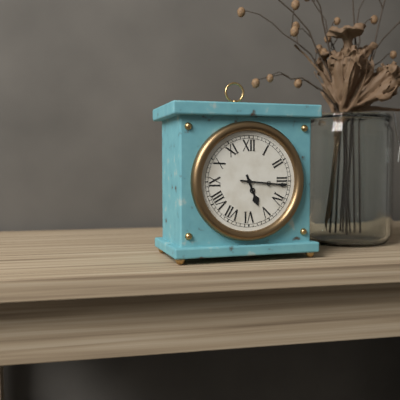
5.16
